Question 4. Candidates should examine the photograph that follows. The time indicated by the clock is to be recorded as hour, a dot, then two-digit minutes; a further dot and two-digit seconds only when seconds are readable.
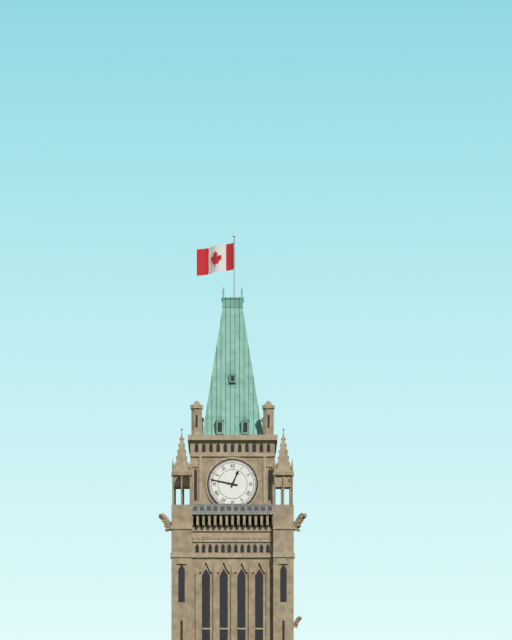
12.47
